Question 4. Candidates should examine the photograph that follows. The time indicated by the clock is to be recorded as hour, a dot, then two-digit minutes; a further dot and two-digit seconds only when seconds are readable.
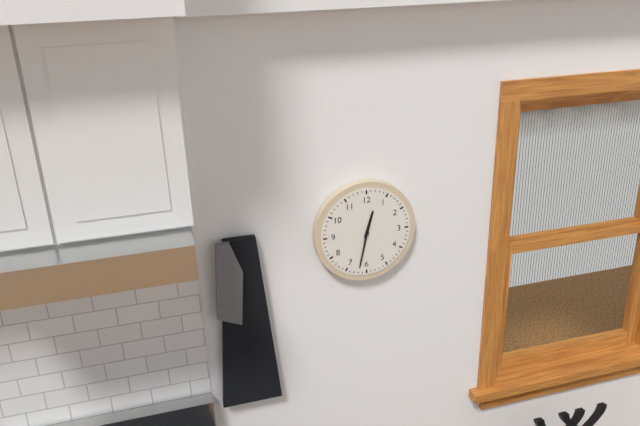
12.32
